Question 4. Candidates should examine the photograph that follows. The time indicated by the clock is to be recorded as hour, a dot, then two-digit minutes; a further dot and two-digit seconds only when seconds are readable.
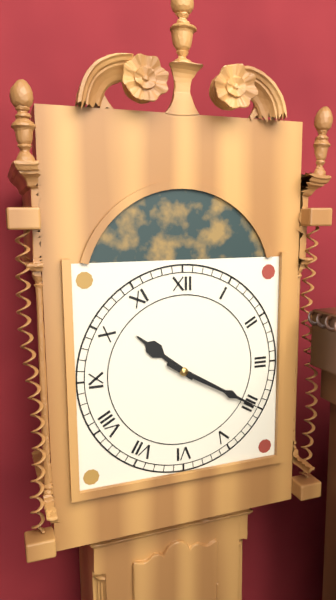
10.20
